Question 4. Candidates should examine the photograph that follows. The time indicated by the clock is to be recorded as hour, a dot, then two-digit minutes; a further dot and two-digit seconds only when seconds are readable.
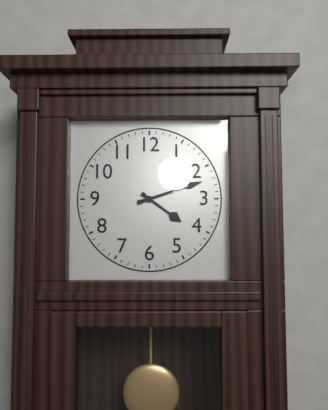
4.12
